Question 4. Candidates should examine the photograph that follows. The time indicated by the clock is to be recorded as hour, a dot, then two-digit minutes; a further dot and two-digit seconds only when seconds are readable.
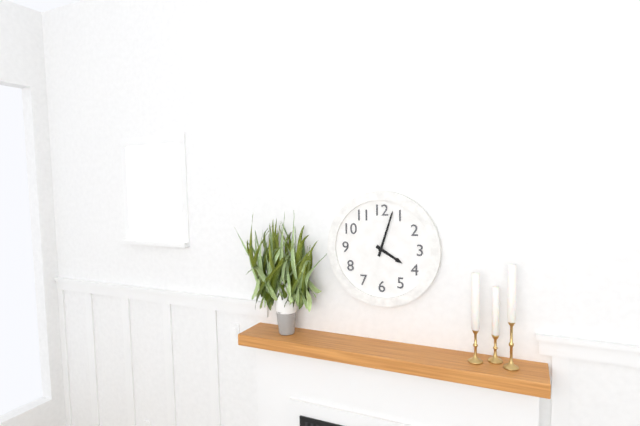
4.03
